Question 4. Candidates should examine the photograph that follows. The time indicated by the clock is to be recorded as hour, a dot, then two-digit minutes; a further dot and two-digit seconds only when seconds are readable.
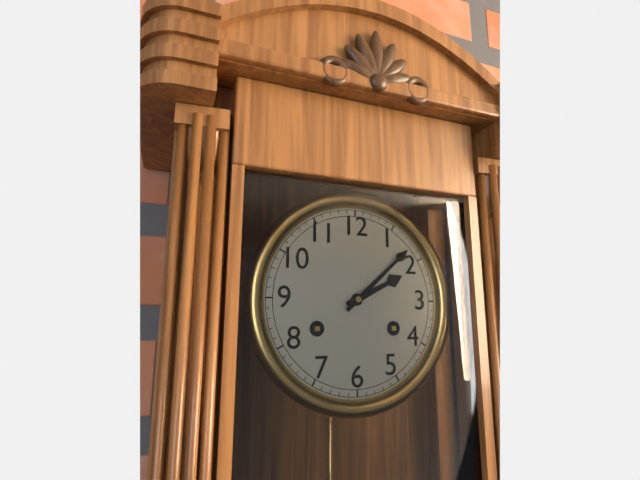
2.08
